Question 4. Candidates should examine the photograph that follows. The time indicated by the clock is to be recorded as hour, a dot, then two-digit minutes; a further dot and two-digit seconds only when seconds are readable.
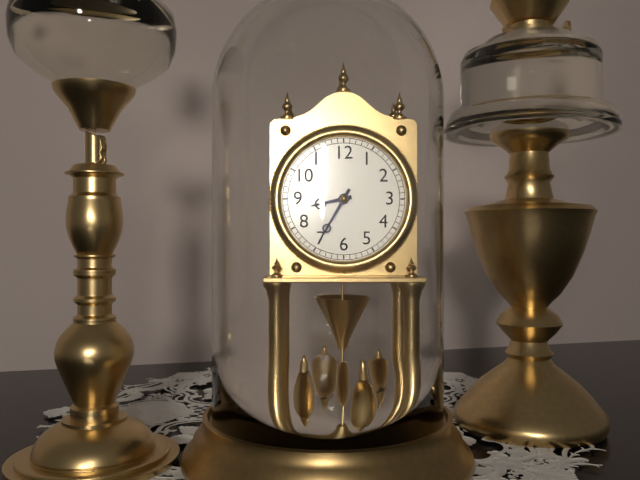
8.35
